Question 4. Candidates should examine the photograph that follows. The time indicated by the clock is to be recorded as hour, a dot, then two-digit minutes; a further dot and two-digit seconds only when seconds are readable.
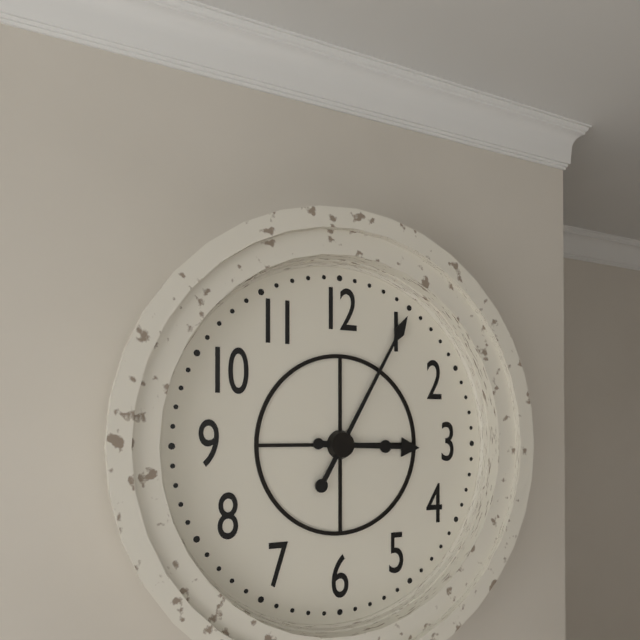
3.05
